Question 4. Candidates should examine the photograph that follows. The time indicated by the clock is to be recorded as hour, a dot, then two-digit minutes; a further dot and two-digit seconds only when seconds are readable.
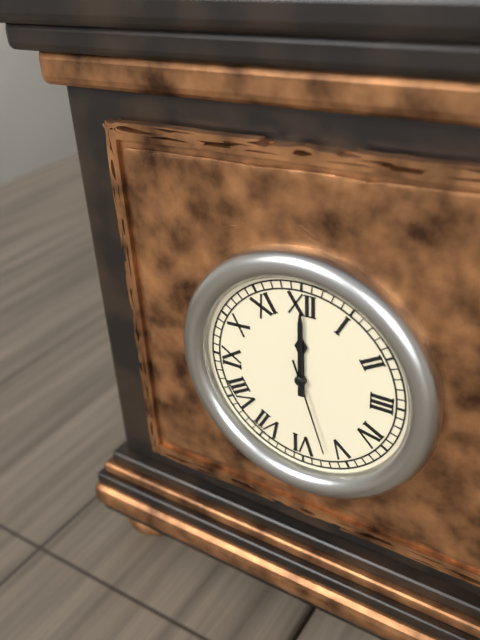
12.00.27
